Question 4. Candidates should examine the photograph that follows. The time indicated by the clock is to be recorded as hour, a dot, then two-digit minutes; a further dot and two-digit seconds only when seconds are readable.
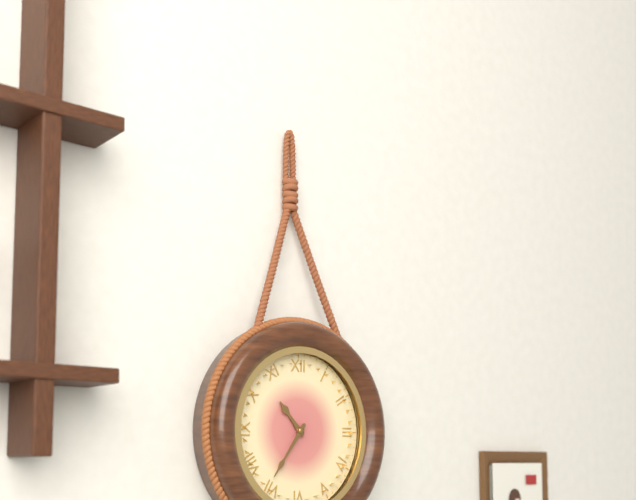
10.36
